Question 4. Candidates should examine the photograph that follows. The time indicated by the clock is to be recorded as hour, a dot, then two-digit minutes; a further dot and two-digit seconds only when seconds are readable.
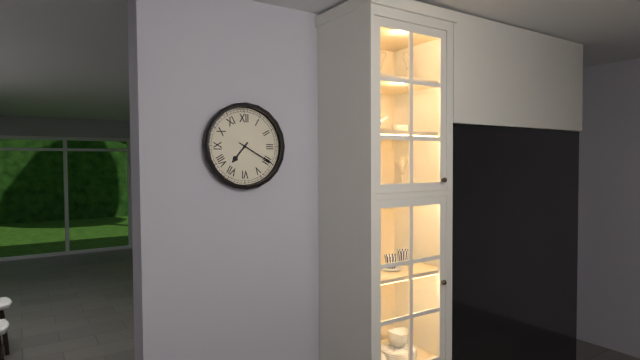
7.20
